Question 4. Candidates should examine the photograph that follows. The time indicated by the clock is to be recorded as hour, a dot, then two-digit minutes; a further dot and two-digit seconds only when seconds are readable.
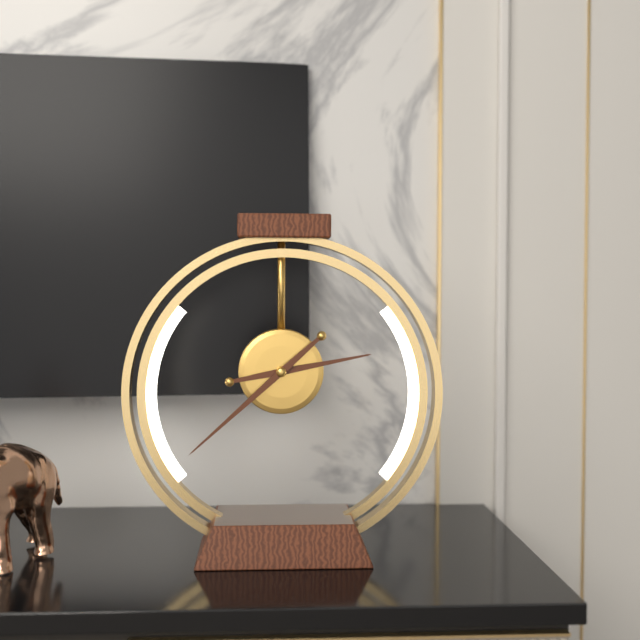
2.38
